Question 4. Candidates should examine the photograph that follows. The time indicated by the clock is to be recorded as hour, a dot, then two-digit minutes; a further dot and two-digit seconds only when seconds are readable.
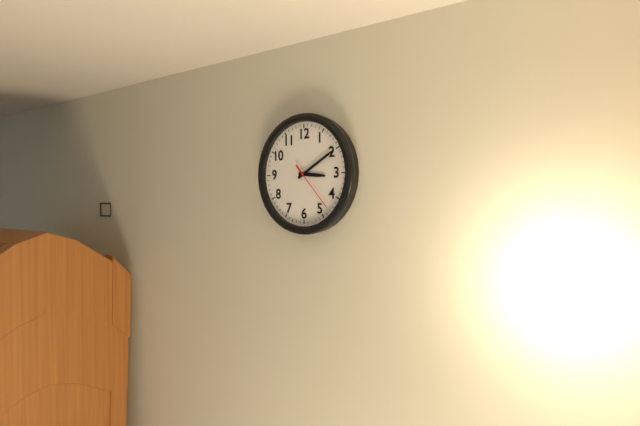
3.10.23
